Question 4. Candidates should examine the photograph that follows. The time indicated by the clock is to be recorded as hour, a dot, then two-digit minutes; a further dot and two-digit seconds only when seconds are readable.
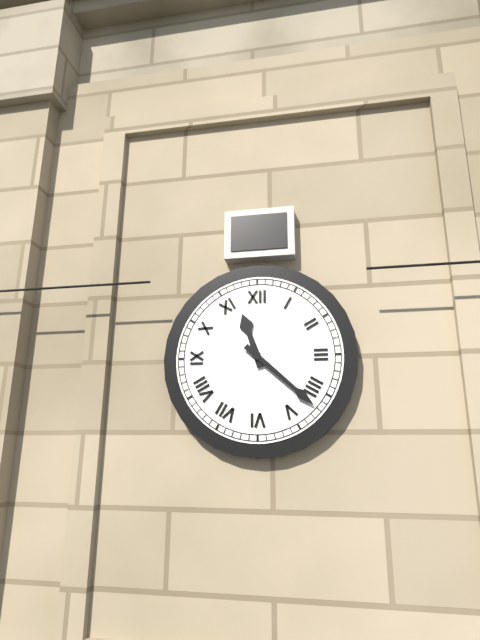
11.22
